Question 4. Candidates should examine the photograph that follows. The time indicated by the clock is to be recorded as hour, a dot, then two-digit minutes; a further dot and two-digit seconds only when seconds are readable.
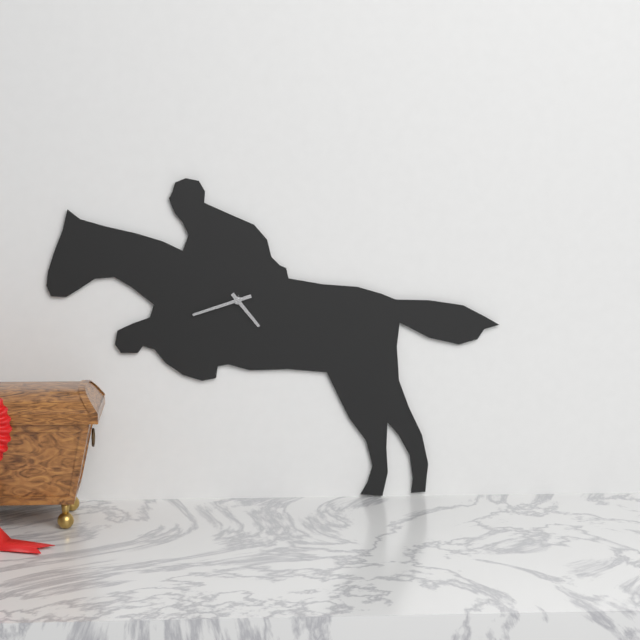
4.42
